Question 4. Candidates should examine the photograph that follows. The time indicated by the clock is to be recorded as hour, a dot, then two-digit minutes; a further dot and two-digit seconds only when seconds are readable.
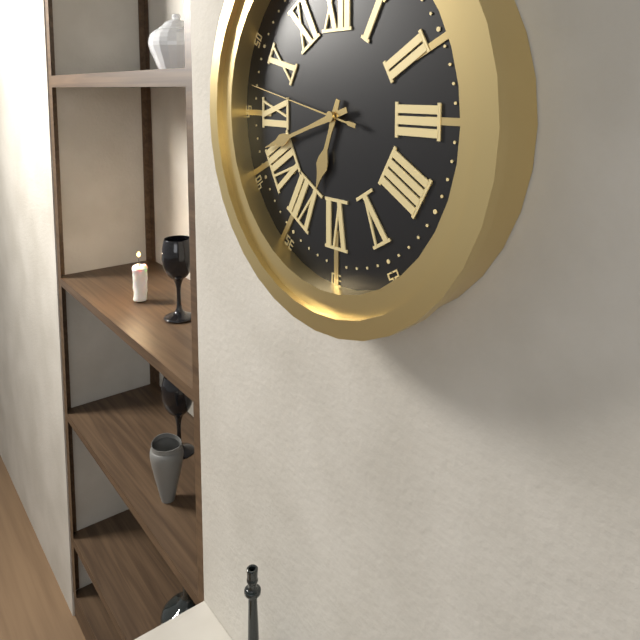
6.42.47
